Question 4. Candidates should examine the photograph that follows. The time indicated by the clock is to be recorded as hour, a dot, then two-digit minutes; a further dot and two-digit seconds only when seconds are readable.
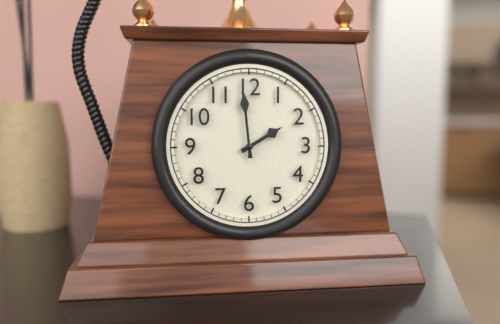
1.59
